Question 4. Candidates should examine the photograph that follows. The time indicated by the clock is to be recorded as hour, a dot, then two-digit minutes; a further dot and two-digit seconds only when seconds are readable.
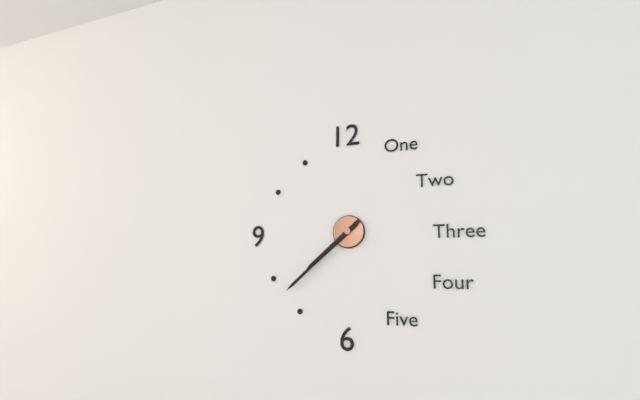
7.38
